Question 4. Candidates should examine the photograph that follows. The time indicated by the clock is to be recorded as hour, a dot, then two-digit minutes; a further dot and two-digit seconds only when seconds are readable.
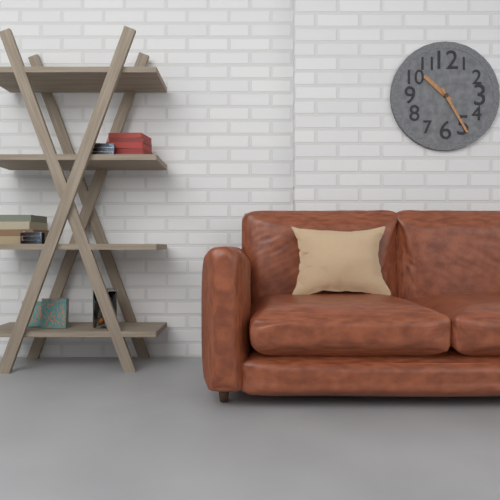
10.25
